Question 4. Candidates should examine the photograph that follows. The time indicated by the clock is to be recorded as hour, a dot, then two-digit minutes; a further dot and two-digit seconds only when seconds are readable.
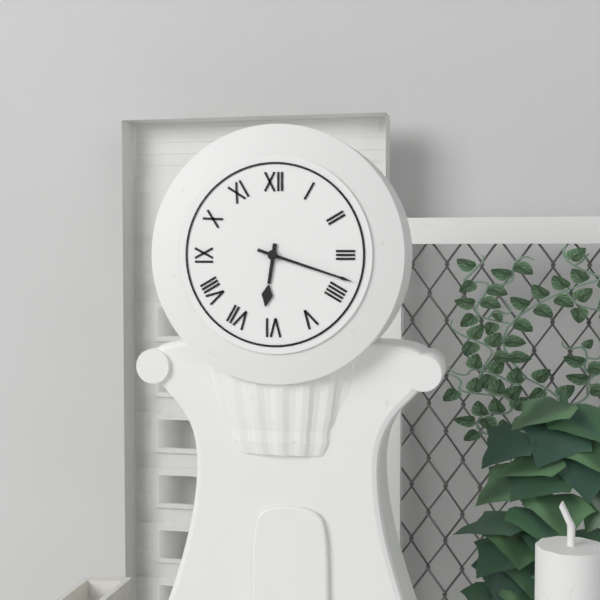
6.18
